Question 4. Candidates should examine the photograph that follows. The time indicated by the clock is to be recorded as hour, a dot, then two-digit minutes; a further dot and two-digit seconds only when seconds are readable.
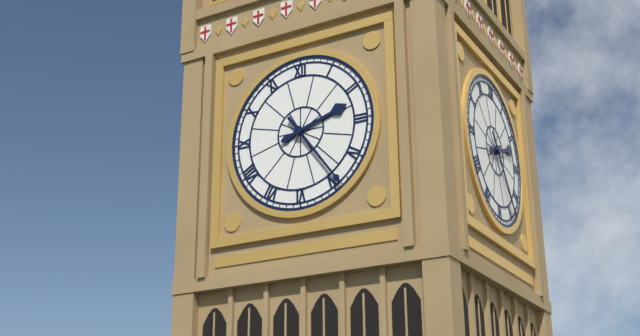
2.24
